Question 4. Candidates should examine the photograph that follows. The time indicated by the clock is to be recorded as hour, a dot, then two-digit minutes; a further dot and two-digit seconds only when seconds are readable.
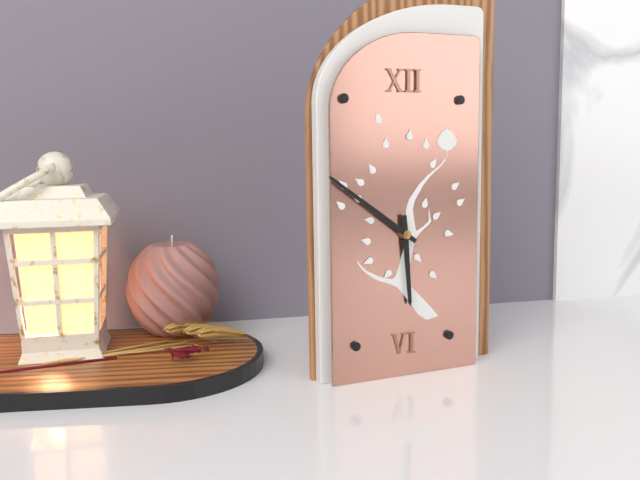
5.51
